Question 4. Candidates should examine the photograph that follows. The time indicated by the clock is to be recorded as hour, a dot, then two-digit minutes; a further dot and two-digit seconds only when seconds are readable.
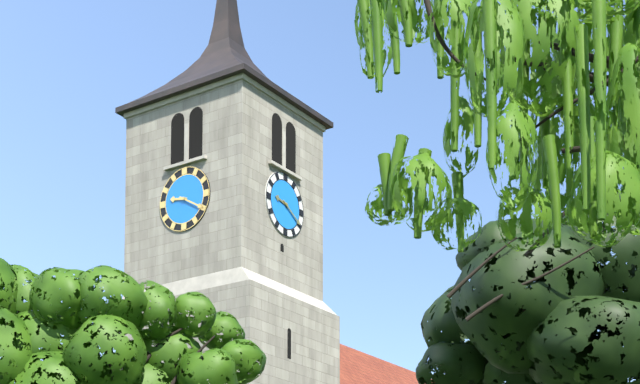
9.20
